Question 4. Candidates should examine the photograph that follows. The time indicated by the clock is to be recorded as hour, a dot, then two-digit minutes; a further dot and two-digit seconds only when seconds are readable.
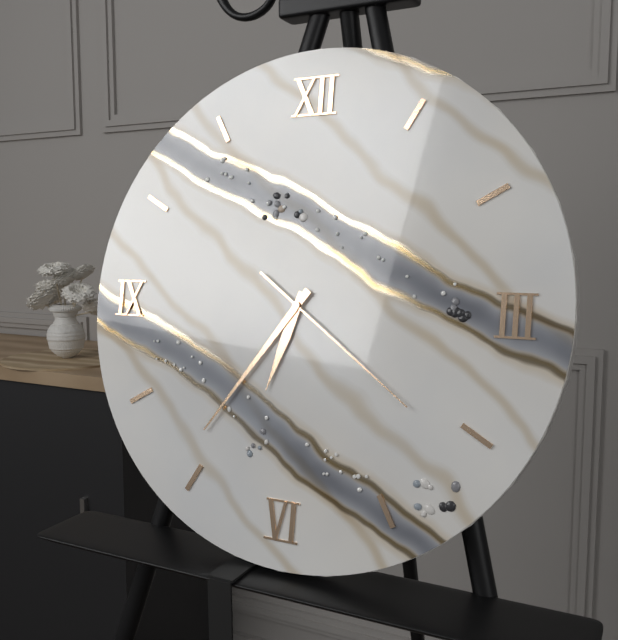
6.36.21
